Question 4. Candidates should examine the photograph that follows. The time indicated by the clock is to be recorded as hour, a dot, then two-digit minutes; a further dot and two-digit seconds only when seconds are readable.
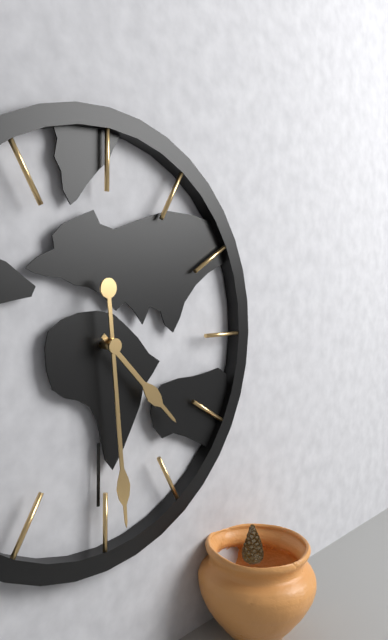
4.29
